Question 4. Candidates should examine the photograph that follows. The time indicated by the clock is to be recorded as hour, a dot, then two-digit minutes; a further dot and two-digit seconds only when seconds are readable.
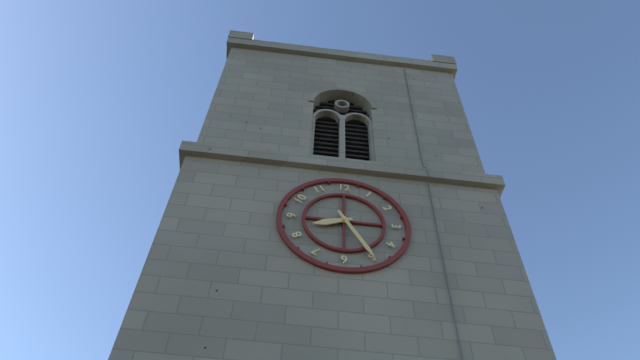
8.25
